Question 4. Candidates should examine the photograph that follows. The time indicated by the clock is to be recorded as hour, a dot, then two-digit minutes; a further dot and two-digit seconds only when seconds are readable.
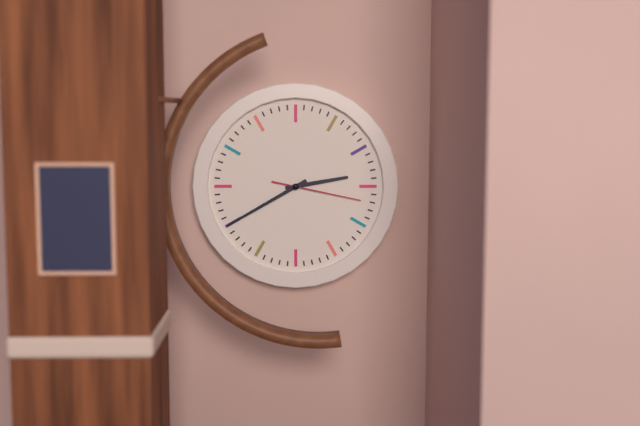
2.40.17
